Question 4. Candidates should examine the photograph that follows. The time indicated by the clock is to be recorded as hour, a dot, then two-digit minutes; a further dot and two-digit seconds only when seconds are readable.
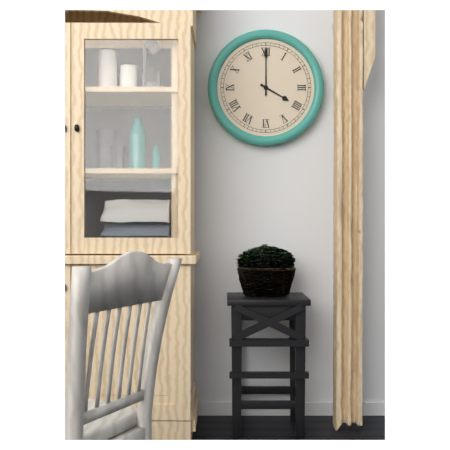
4.00
